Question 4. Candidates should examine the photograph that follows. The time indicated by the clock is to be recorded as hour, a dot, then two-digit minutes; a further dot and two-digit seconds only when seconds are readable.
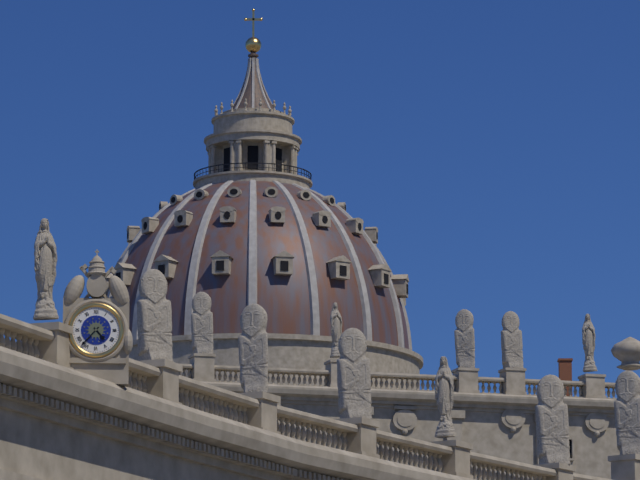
4.37
